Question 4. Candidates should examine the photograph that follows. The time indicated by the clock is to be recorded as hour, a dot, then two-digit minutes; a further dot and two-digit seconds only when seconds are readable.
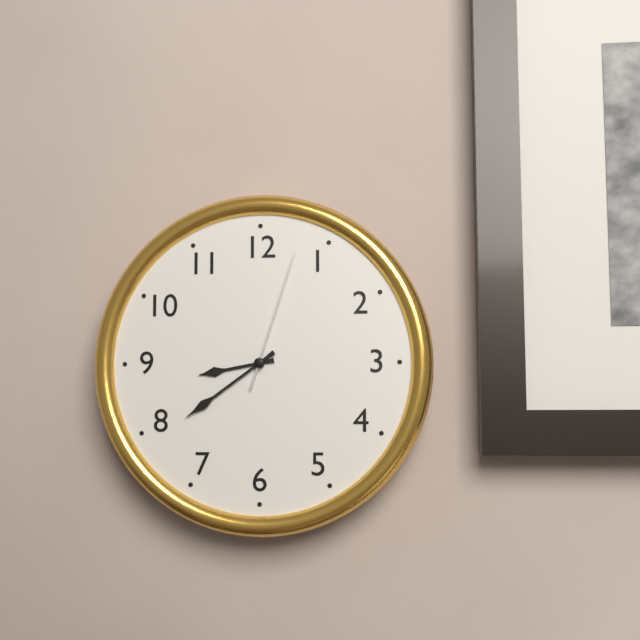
8.39.03
